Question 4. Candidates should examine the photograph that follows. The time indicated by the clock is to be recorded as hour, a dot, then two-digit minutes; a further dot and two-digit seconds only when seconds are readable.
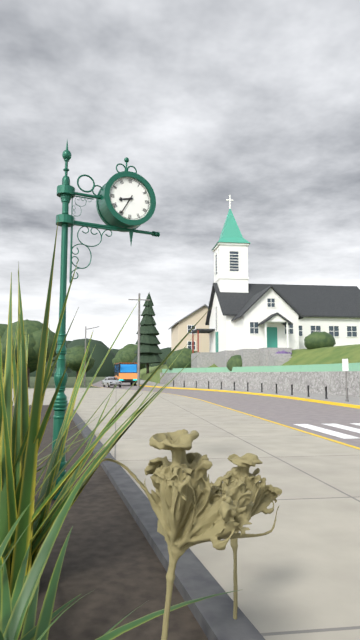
8.35
